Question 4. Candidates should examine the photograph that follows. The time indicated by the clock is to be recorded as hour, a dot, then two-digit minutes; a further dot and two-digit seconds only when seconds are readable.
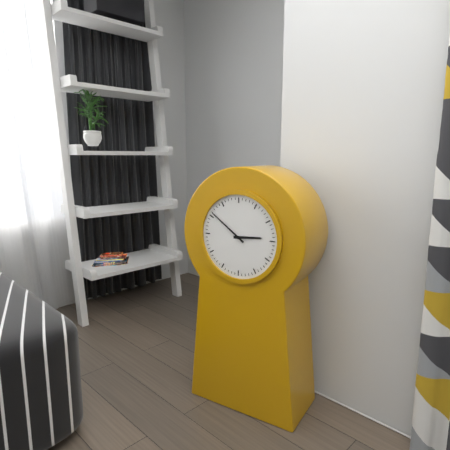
2.51
